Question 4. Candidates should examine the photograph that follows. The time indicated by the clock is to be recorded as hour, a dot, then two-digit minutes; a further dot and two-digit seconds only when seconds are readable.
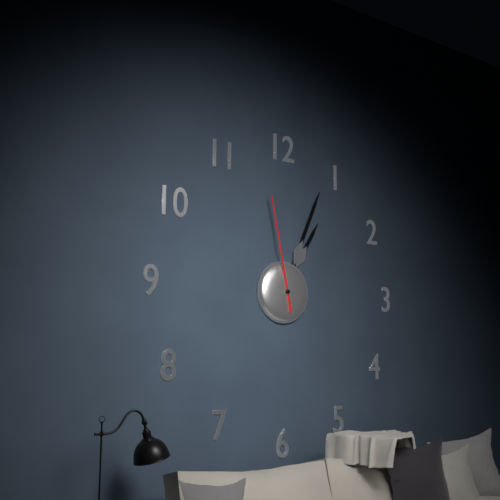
1.04.58
